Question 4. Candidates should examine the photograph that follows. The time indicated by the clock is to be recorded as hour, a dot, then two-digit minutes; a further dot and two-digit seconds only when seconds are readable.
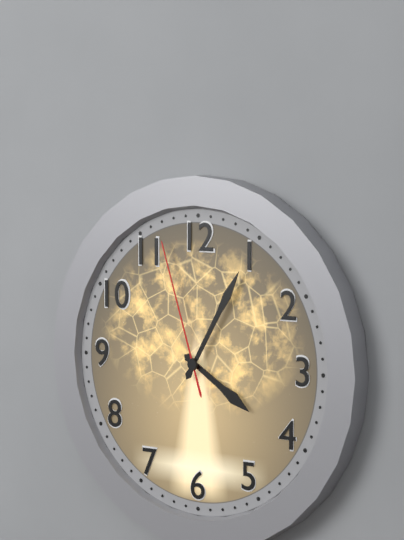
4.05.57
